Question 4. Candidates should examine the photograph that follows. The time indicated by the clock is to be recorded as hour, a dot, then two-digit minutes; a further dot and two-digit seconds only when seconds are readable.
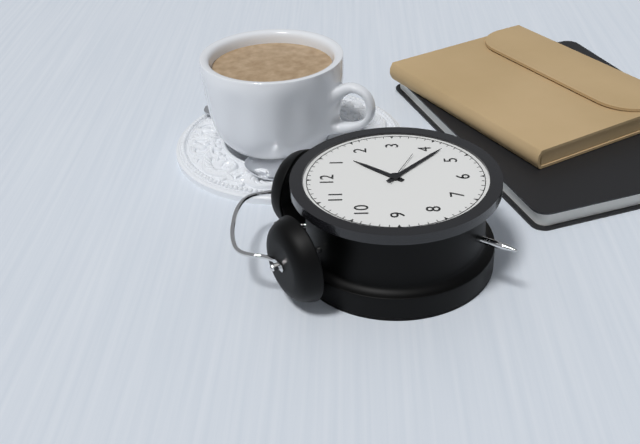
1.22
